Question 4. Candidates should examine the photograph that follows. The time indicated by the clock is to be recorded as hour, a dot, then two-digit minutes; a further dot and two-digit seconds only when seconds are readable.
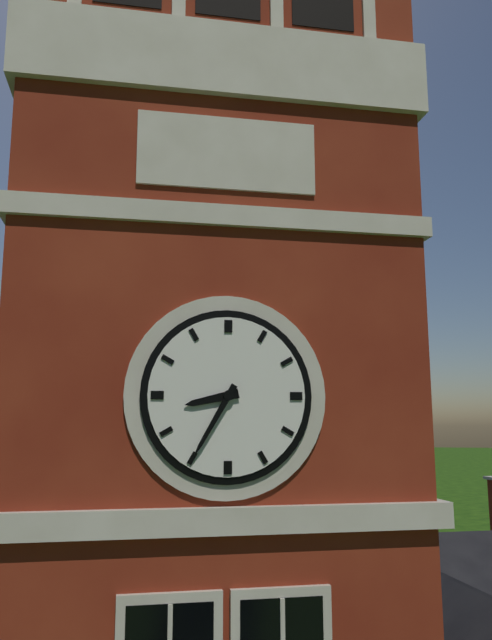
8.35
